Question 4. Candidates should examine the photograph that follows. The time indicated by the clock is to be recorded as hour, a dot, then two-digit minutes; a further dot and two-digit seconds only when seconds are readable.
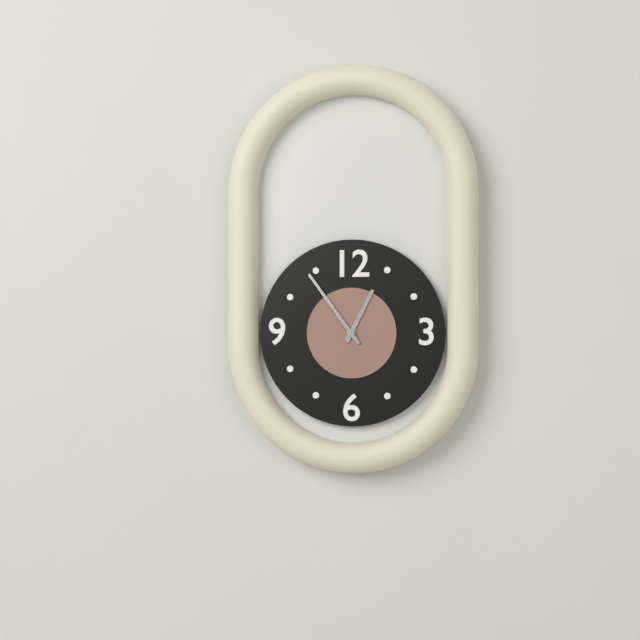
12.54
